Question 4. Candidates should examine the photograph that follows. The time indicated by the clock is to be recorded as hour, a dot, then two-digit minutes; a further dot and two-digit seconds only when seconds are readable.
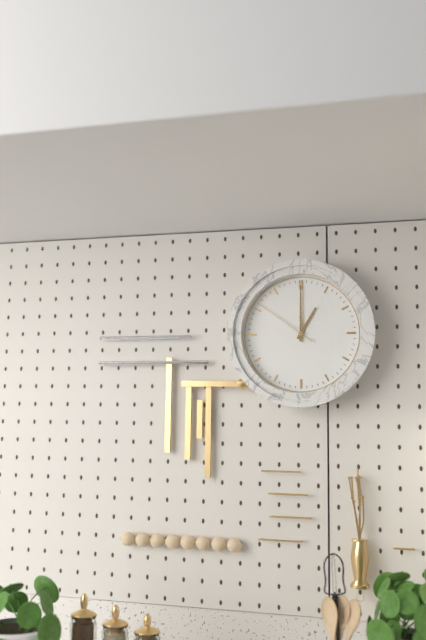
1.00.51
